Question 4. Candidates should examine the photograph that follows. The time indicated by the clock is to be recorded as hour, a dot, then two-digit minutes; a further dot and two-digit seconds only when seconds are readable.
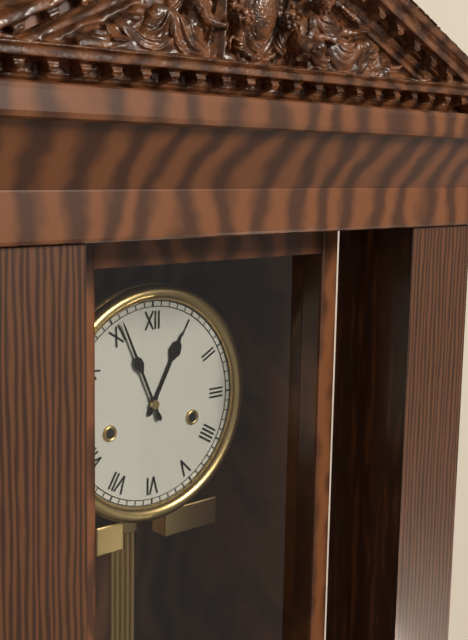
12.56
